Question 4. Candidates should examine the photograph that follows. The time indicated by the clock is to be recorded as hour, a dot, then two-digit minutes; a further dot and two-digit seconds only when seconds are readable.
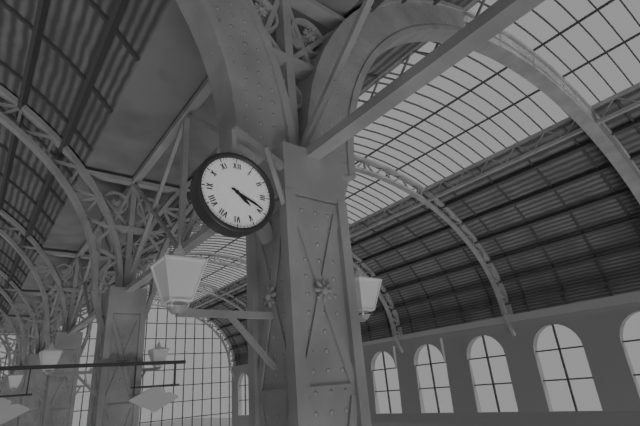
4.19
